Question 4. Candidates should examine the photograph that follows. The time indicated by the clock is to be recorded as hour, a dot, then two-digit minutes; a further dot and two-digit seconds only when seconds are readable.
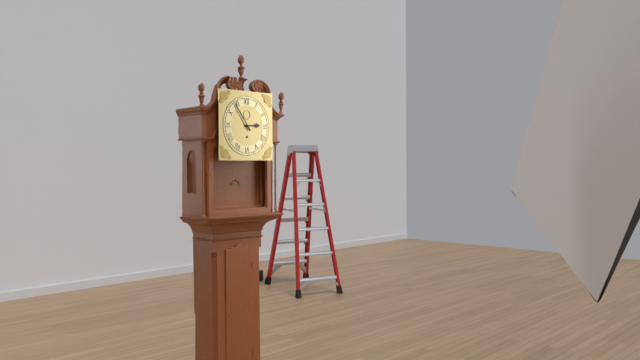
2.54
